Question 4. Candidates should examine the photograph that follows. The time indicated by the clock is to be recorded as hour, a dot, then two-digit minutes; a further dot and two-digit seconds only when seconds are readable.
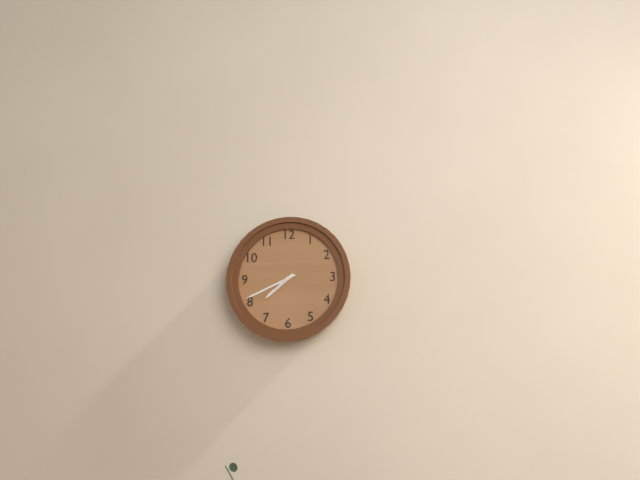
7.41
